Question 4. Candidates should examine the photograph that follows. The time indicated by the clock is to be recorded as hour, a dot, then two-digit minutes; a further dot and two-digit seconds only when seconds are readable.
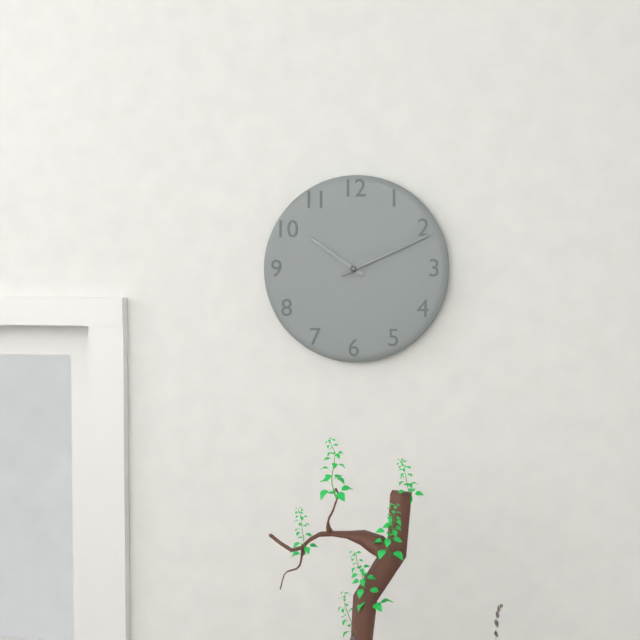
10.11
